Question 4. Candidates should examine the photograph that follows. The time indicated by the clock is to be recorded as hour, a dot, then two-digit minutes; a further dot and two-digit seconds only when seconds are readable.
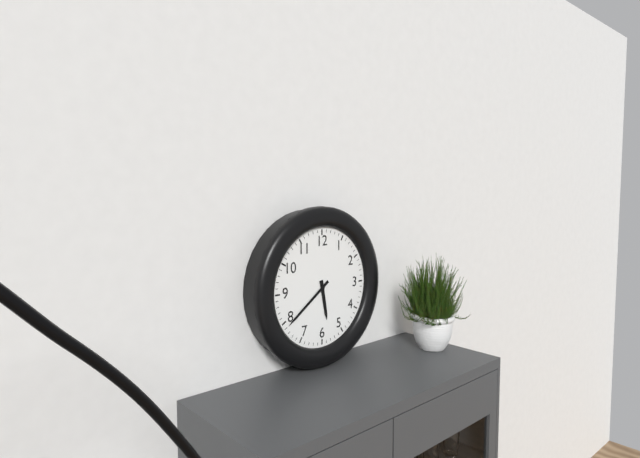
5.39
